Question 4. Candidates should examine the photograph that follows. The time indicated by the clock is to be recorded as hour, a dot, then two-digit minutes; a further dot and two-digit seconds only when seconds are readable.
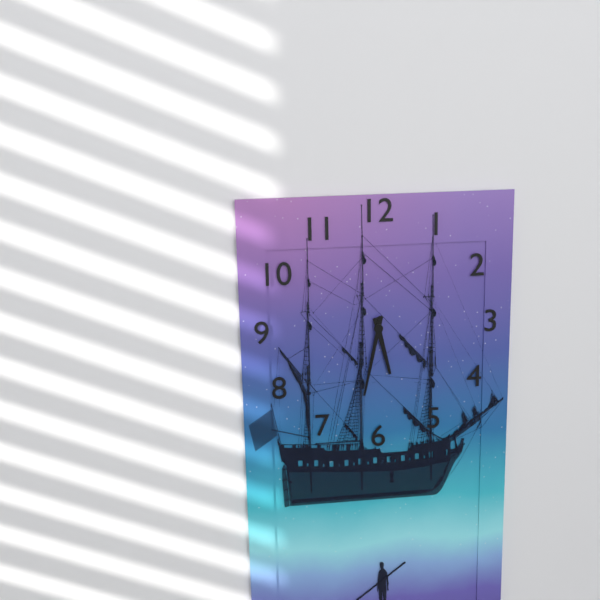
5.32
